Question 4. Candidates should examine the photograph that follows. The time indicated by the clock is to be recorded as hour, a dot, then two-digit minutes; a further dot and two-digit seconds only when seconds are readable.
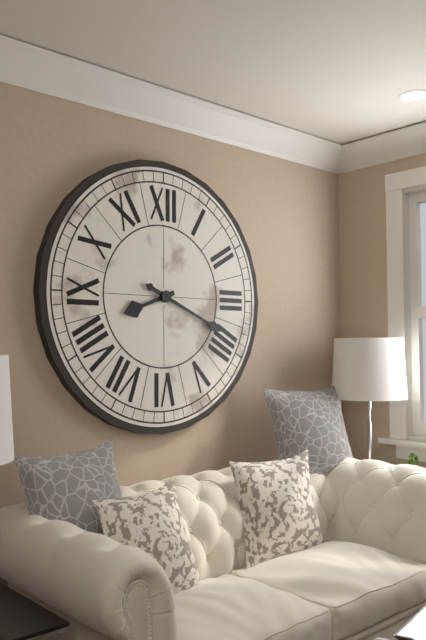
8.19
